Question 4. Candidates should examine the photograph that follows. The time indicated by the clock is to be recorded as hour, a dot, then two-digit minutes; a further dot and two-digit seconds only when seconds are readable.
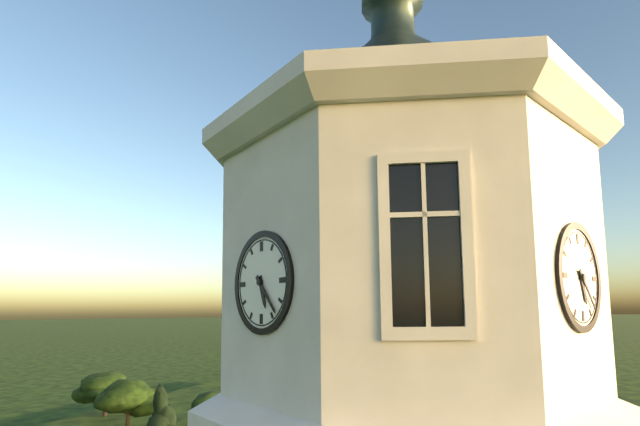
5.23
